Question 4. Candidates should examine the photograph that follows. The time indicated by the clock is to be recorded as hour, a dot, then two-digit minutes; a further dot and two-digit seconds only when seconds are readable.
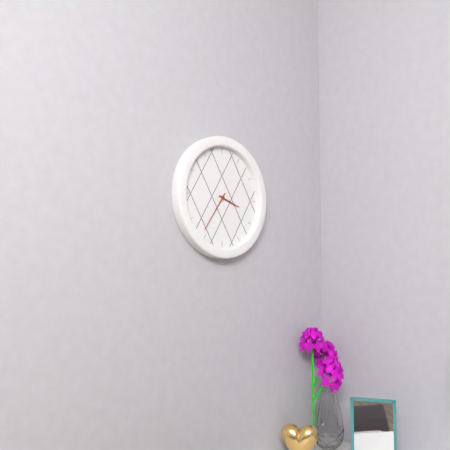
3.36
